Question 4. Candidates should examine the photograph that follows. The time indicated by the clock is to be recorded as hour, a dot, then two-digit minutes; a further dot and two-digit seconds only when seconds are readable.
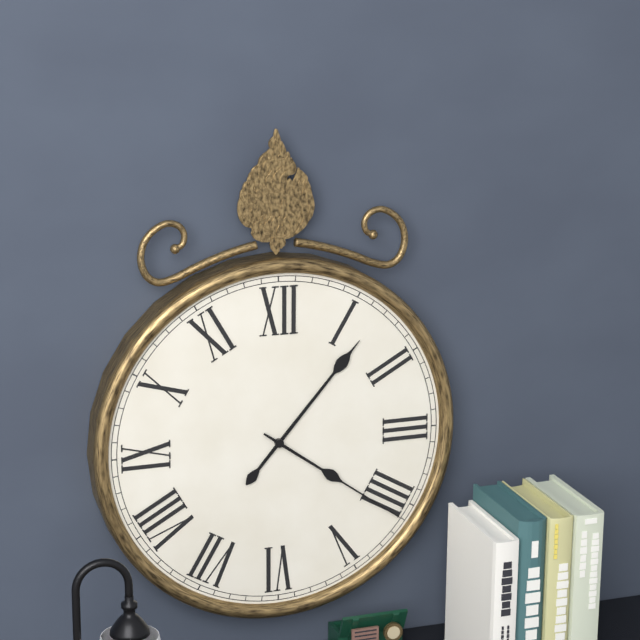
1.21
